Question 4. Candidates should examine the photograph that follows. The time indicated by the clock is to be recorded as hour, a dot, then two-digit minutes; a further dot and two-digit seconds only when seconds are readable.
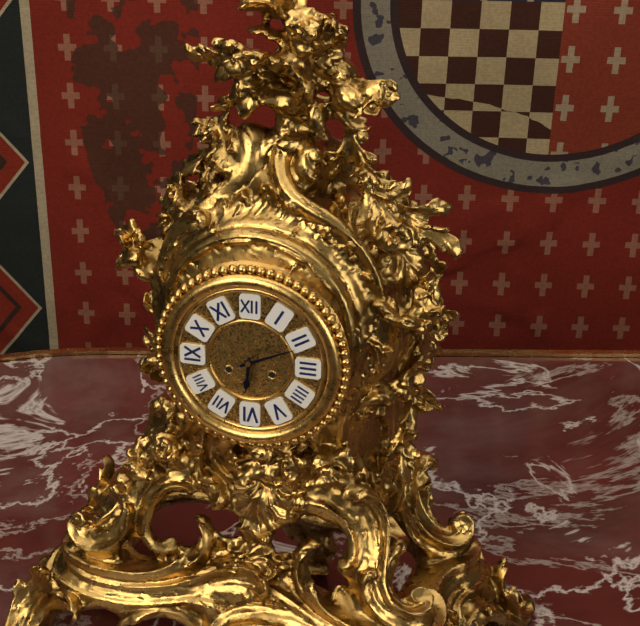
6.11
